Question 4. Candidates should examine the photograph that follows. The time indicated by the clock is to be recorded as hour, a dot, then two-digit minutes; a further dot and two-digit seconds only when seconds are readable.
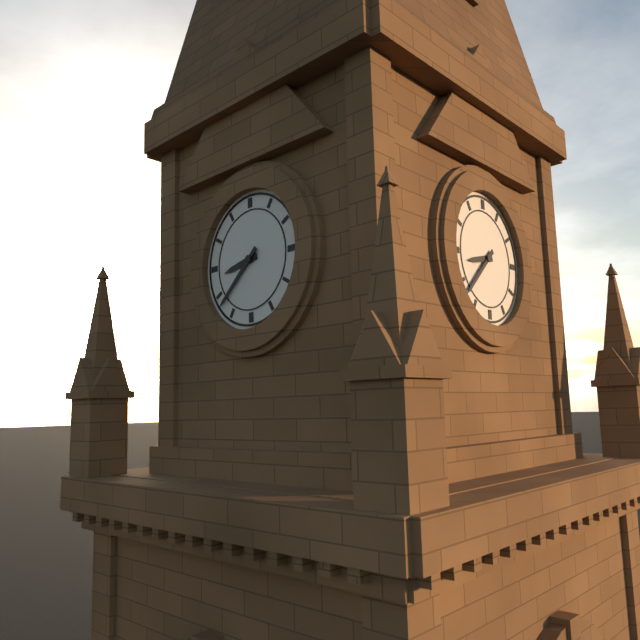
8.38
